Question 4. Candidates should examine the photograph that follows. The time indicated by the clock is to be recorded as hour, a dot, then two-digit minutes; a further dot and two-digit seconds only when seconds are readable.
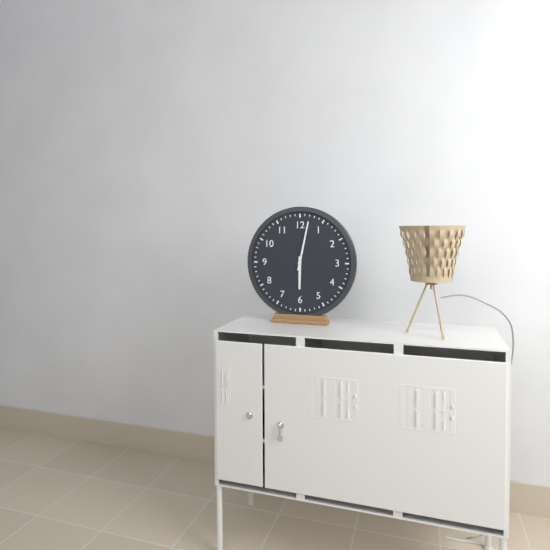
6.02
